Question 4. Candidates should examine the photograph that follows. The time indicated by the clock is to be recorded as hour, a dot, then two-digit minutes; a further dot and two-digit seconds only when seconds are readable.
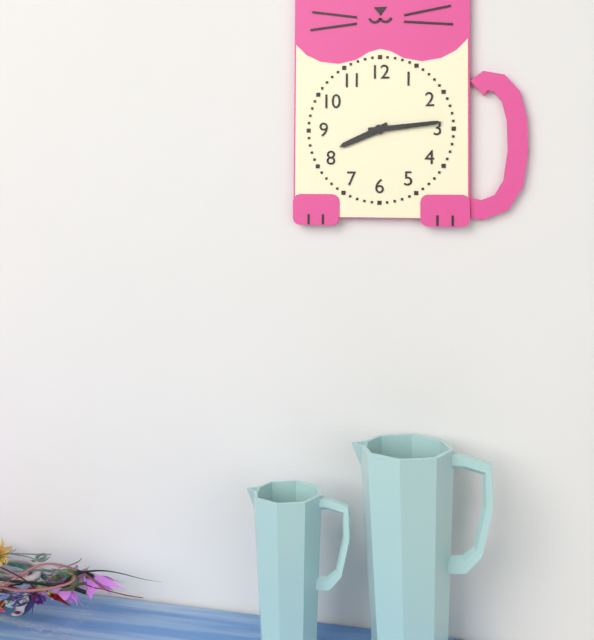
8.14
